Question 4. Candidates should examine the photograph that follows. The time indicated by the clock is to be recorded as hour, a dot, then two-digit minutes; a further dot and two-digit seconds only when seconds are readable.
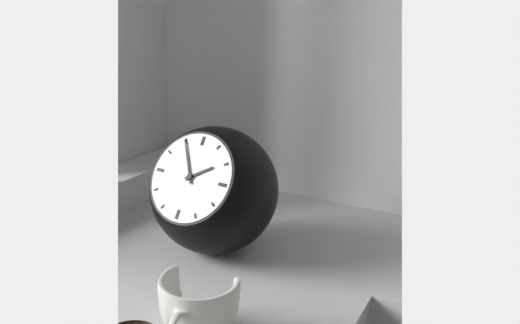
1.55
